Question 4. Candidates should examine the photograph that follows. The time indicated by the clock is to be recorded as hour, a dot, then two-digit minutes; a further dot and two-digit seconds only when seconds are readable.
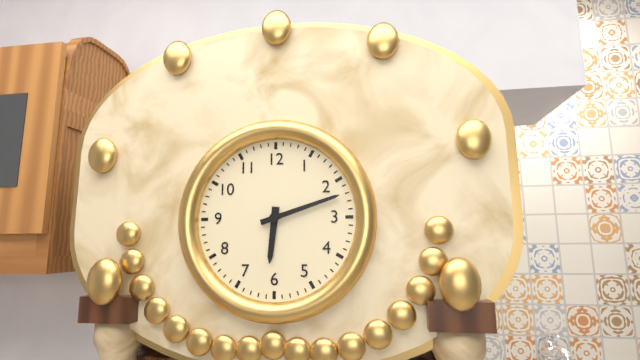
6.12
